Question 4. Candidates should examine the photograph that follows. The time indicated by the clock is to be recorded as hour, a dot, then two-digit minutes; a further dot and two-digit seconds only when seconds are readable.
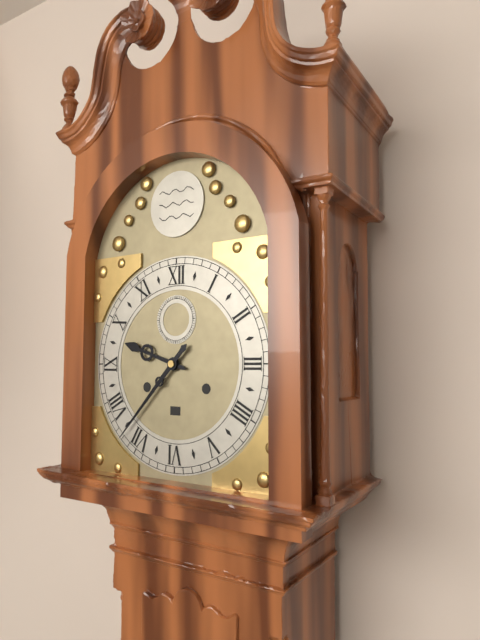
9.37
